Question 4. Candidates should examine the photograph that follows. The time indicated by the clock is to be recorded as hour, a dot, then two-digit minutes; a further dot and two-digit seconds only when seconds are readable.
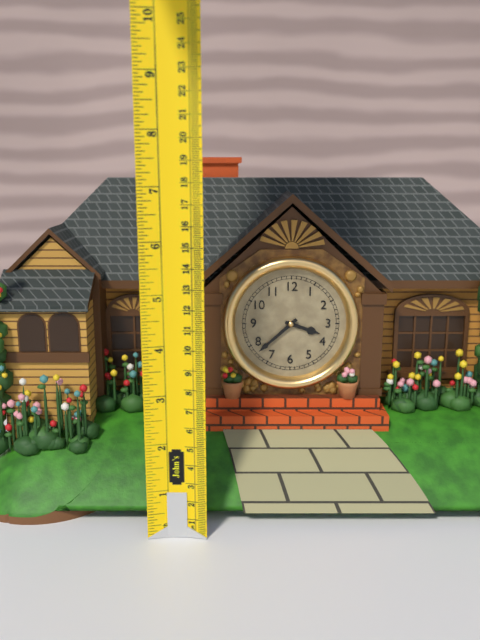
3.38
